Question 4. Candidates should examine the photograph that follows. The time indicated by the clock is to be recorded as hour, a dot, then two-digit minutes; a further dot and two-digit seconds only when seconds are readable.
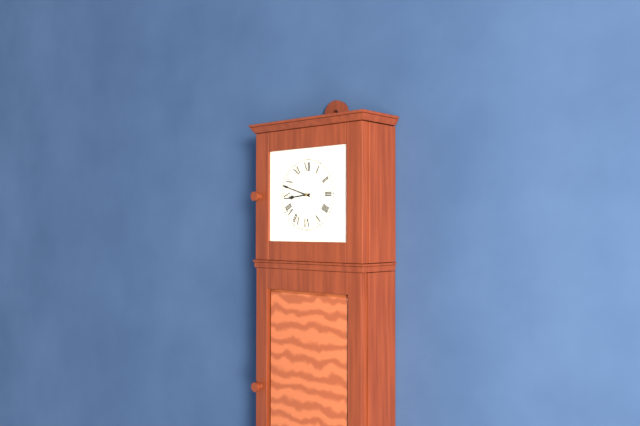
8.48
